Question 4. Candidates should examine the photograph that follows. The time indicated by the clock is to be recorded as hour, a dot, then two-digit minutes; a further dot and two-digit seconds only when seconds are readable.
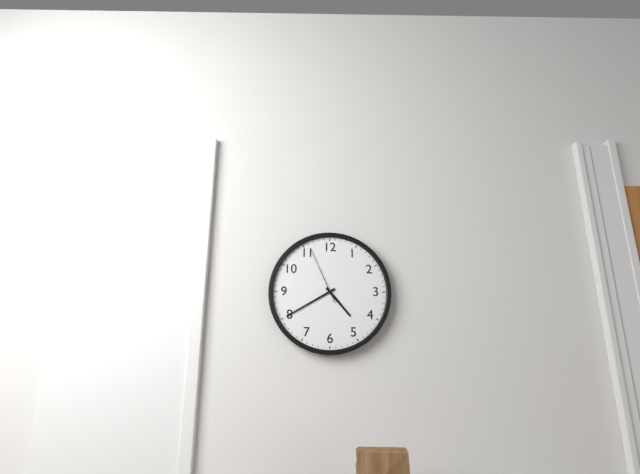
4.40.56
